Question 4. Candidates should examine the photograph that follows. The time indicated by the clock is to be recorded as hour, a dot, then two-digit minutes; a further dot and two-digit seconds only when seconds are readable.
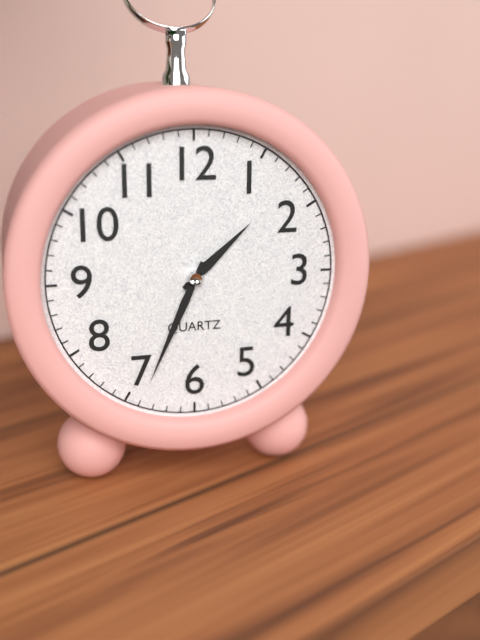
1.34
